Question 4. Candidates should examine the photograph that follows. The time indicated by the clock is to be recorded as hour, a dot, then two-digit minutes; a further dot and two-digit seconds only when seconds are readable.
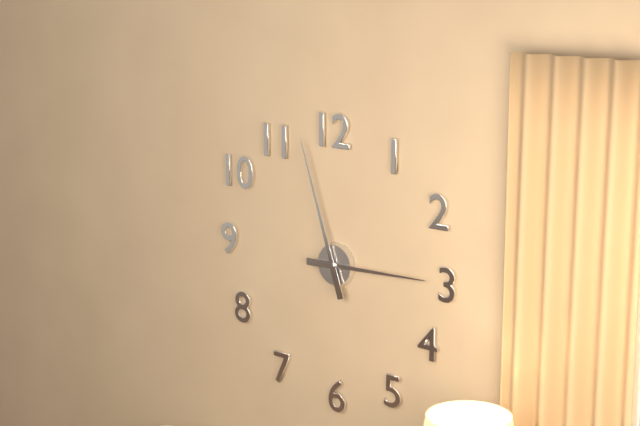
2.57
